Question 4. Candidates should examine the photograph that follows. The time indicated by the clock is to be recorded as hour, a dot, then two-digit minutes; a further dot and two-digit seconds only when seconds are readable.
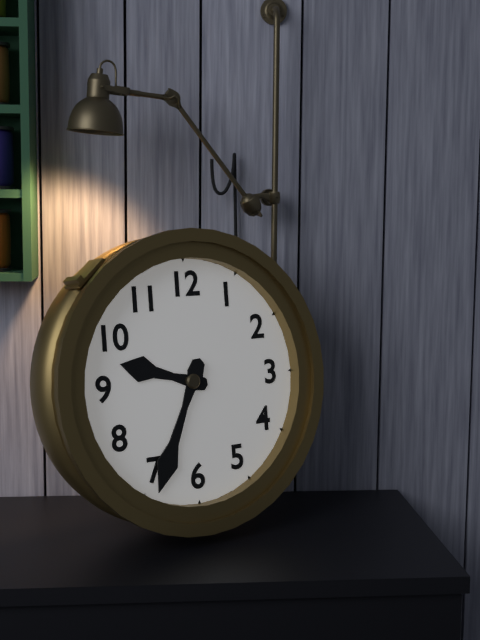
9.34
